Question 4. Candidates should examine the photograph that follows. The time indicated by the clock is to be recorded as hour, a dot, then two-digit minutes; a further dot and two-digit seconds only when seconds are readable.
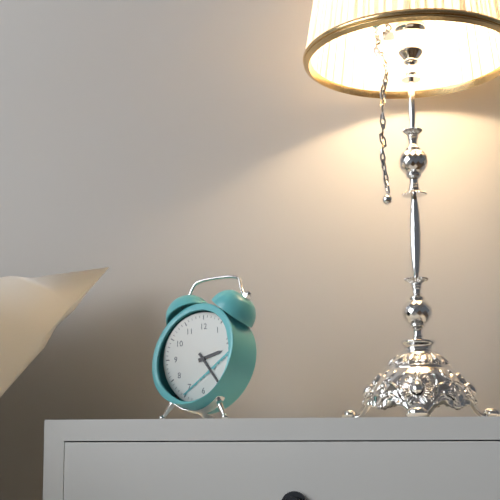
2.24
